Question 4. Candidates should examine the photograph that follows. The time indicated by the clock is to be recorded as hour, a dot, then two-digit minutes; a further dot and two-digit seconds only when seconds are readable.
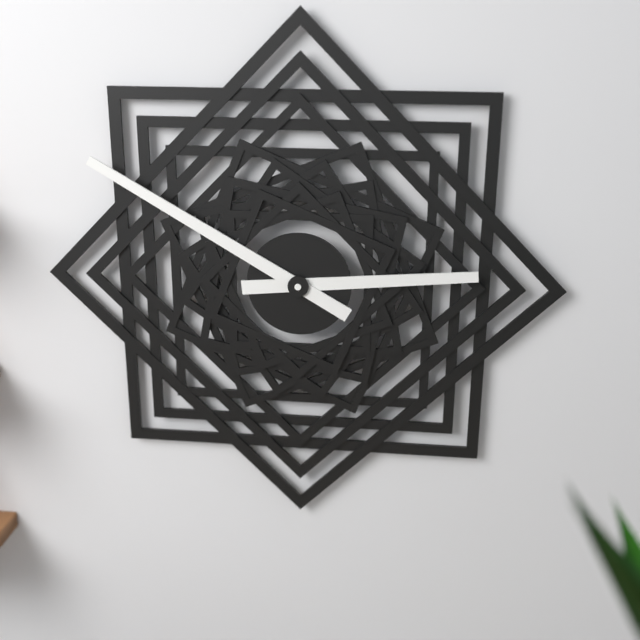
2.50
